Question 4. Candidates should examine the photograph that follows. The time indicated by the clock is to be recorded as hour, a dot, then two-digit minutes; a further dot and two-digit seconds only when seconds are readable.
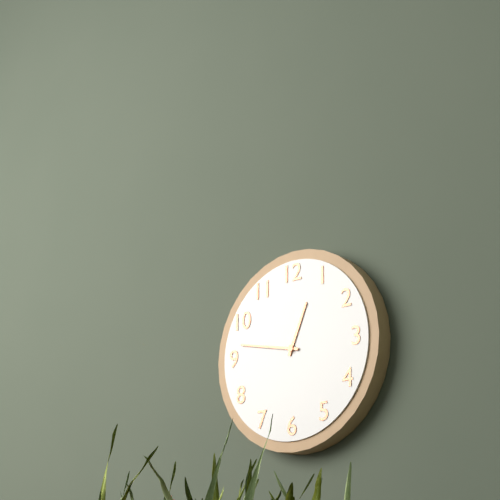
12.47
